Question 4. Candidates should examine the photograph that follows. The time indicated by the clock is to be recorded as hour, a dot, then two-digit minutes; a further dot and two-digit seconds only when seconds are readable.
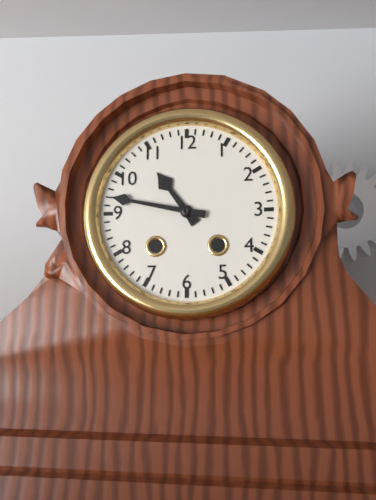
10.47
